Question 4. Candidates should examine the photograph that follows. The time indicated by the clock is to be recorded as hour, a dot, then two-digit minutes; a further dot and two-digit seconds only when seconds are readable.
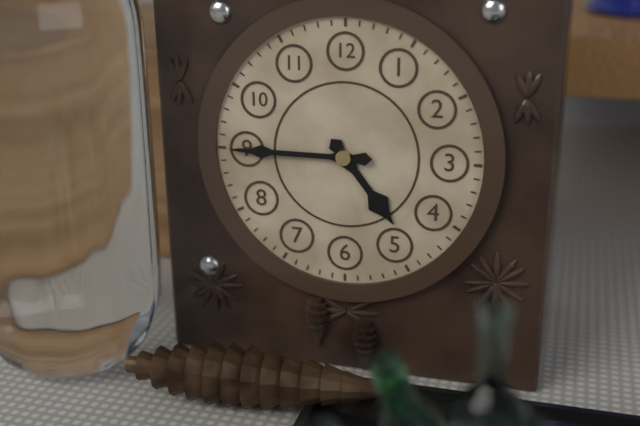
4.45
